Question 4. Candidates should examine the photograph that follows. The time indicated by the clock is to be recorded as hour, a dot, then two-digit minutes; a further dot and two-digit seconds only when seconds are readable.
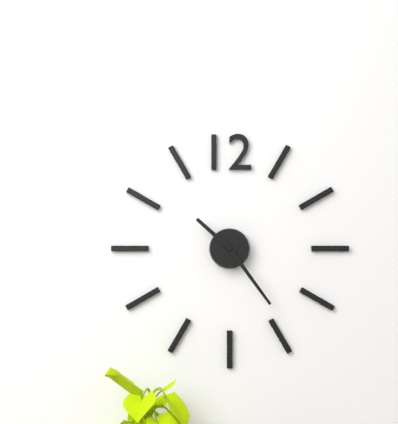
10.24
